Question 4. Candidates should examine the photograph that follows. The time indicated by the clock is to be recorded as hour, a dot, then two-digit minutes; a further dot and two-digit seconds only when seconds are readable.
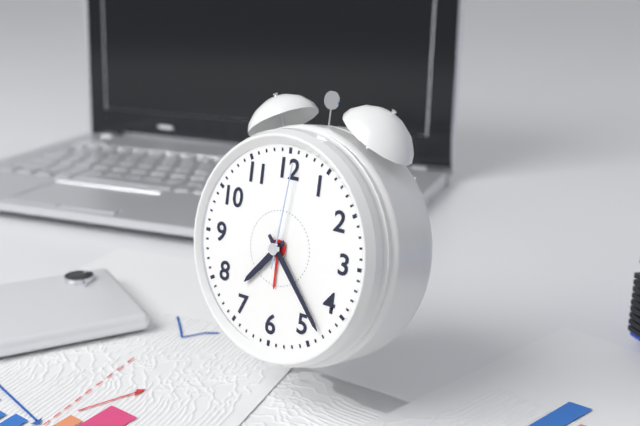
7.23.01
